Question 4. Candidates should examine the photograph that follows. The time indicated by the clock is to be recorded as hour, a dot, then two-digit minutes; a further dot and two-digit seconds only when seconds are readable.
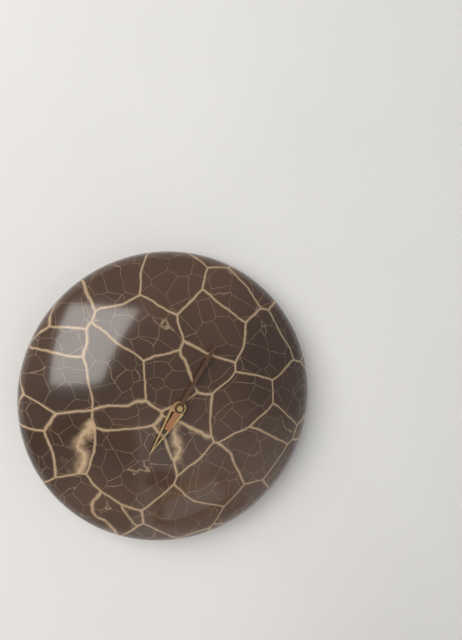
7.05
